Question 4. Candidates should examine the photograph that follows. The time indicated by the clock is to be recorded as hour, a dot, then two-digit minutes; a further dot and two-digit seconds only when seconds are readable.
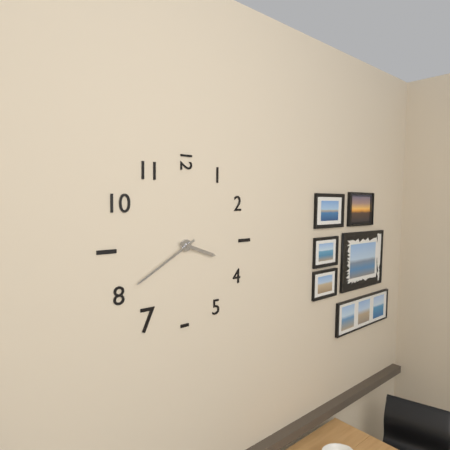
3.40
